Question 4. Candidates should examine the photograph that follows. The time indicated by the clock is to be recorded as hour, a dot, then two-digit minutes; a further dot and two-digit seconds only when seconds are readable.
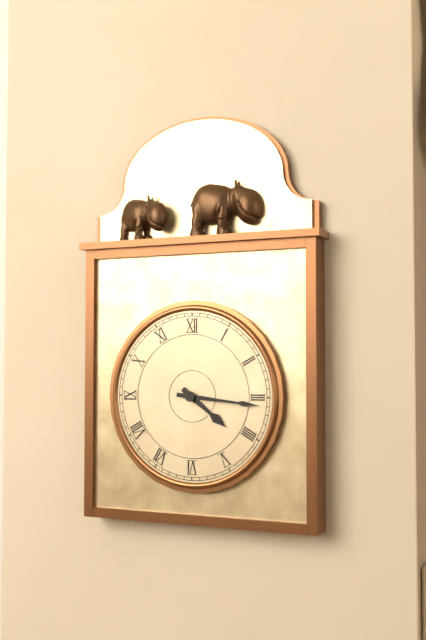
4.16
